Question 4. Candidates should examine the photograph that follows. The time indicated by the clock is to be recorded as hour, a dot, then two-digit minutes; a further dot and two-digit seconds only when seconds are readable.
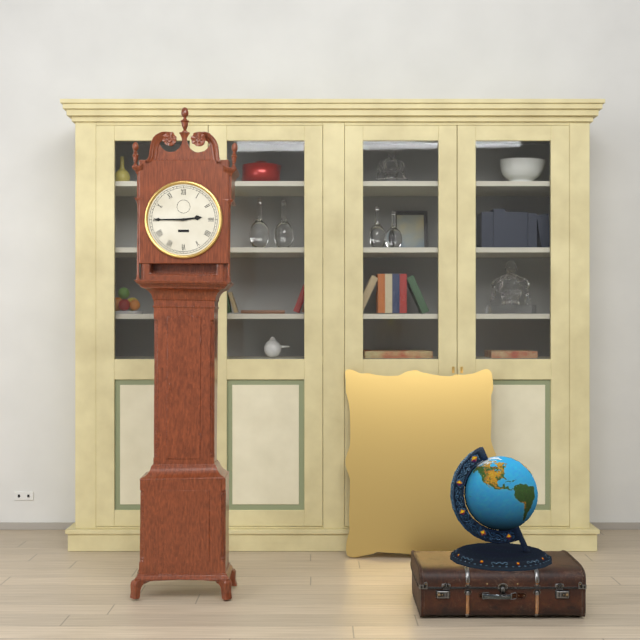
2.45
